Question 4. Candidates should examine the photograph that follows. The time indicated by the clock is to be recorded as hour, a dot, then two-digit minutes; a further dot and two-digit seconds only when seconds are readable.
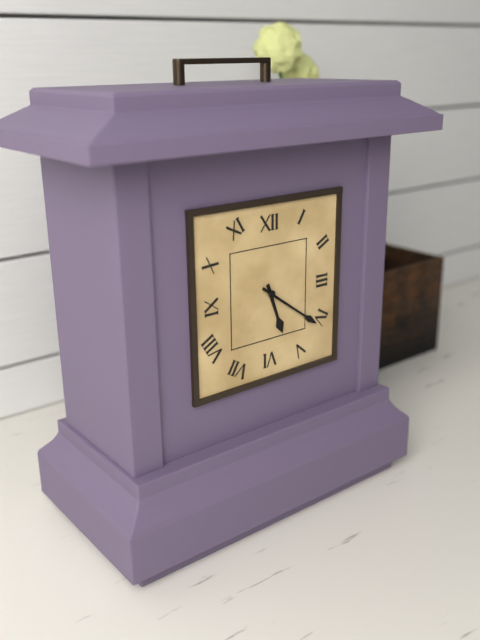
5.21
